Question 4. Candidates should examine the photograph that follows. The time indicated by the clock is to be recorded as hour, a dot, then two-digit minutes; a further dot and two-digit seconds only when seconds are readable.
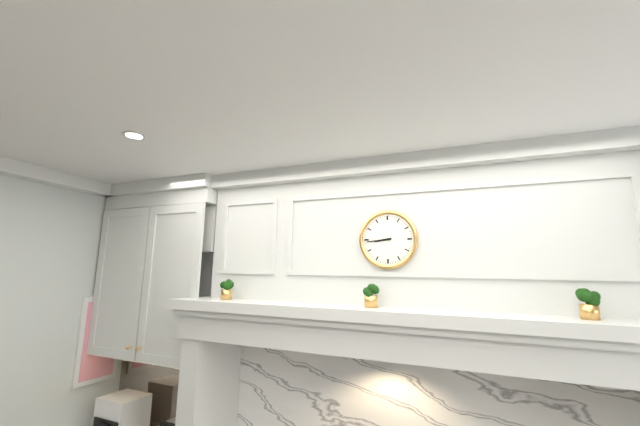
8.44
